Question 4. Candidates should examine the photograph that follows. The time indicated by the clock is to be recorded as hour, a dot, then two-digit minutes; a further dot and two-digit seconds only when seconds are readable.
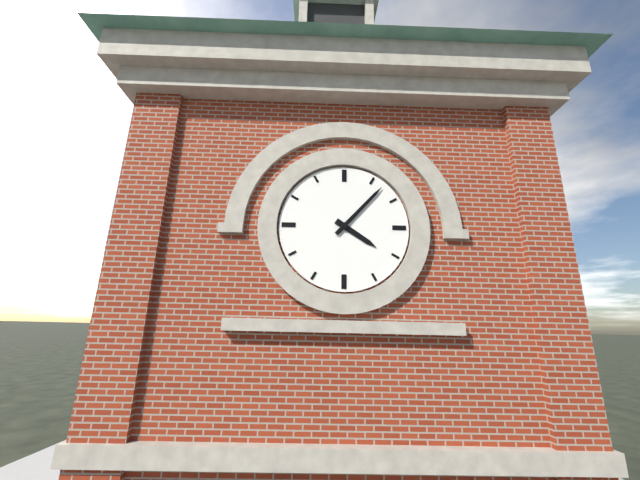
4.07
